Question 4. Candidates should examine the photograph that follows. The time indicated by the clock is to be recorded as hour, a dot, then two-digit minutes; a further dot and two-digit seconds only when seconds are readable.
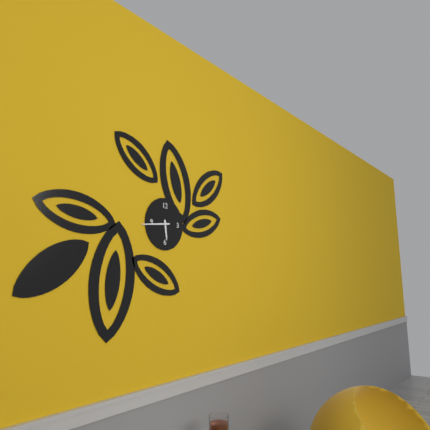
5.44
